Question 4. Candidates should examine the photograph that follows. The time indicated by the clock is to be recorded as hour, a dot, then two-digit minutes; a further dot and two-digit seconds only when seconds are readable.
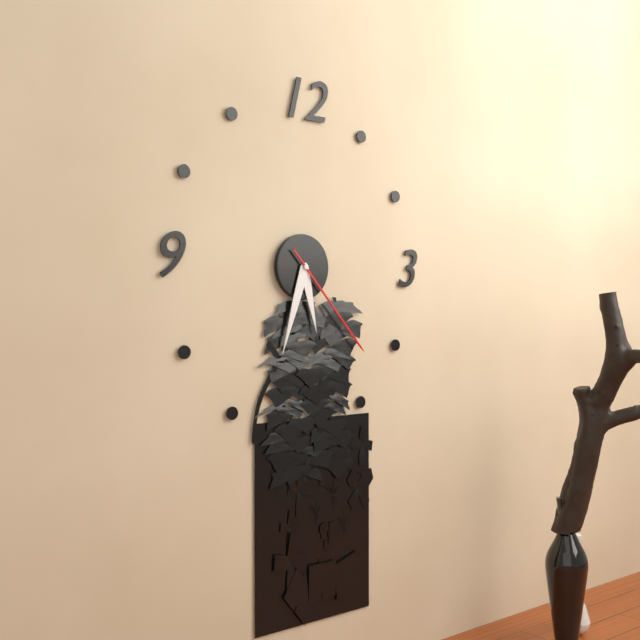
5.33.23
